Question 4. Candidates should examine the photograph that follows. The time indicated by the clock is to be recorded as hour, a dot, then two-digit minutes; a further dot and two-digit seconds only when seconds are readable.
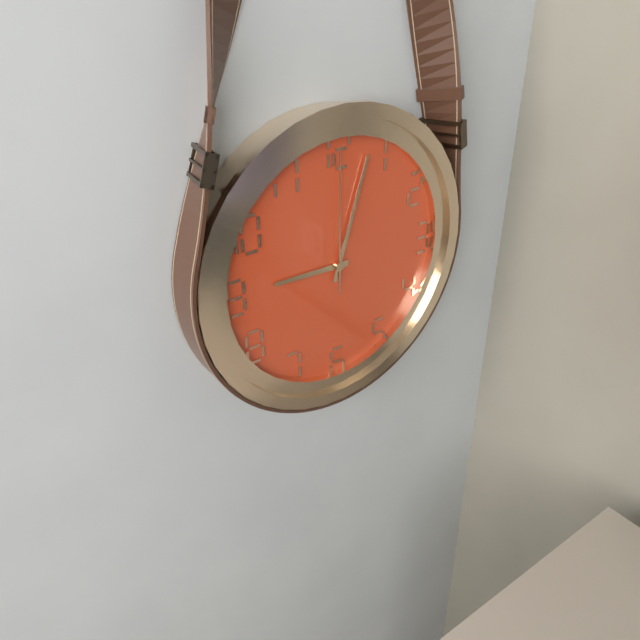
9.03.00
